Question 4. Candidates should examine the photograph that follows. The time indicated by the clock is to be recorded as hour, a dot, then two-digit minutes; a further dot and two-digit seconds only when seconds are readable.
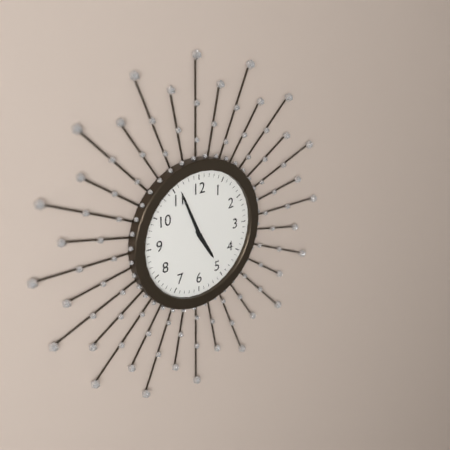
4.56
